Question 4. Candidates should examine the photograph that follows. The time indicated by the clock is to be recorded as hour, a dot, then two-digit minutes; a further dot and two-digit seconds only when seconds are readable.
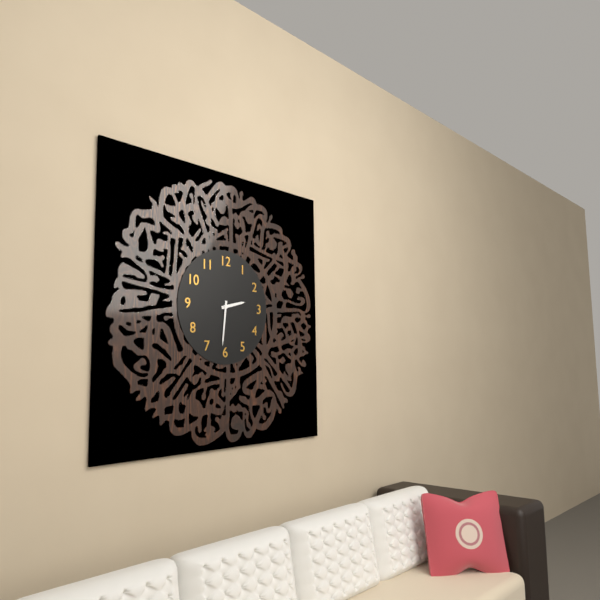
2.31
